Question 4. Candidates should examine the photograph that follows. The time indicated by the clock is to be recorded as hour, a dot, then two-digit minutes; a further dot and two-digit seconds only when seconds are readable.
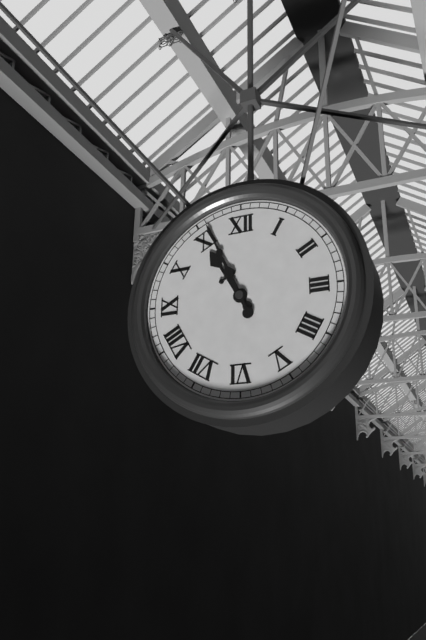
10.56
